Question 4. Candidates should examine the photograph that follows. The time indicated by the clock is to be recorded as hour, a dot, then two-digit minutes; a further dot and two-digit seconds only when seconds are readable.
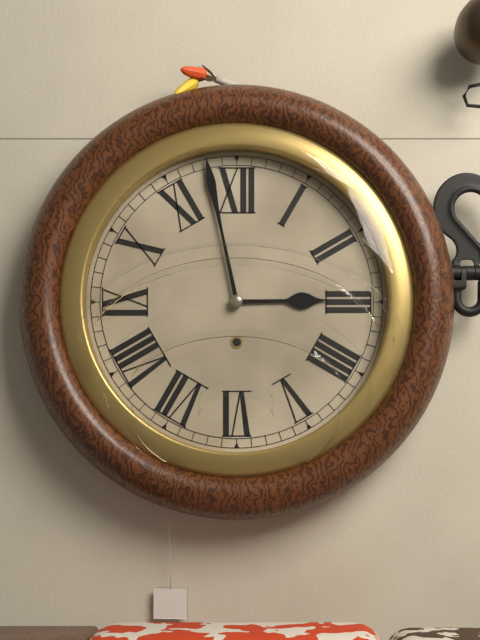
2.58
